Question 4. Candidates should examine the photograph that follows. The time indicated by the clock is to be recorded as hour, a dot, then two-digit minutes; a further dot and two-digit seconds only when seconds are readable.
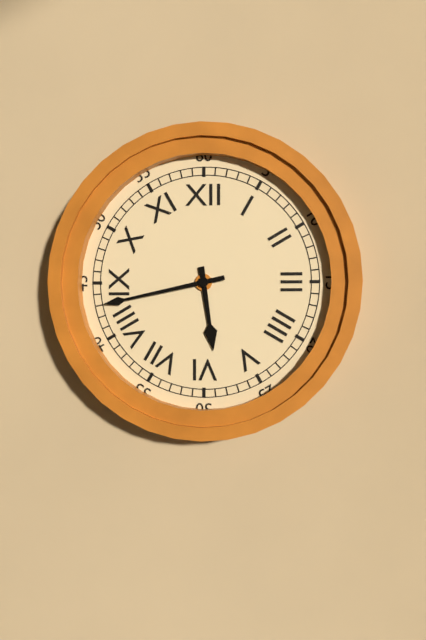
5.43
